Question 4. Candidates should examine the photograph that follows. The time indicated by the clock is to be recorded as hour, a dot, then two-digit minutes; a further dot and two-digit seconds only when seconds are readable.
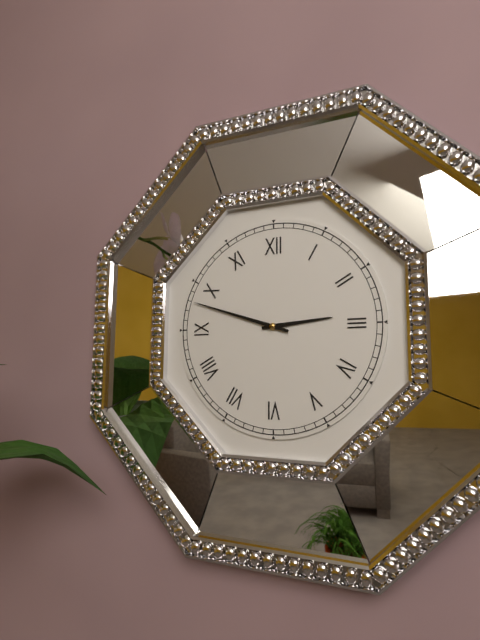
2.48
